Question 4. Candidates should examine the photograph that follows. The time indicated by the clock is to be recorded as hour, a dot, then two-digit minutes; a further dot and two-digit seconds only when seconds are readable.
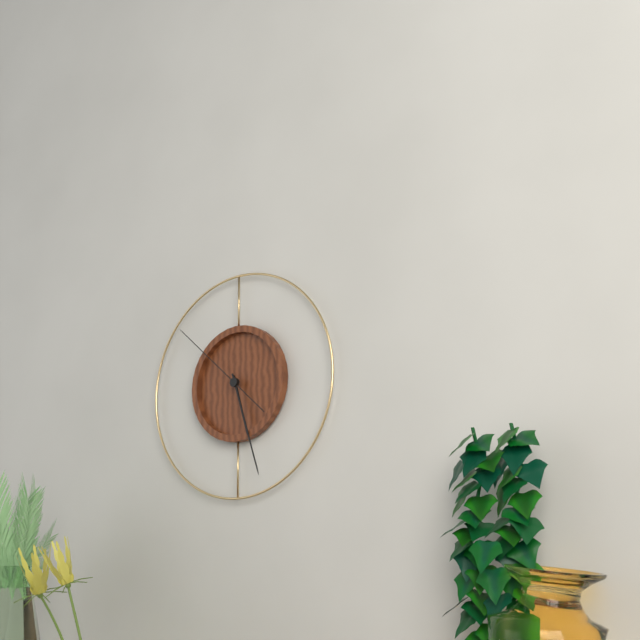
5.27.52
